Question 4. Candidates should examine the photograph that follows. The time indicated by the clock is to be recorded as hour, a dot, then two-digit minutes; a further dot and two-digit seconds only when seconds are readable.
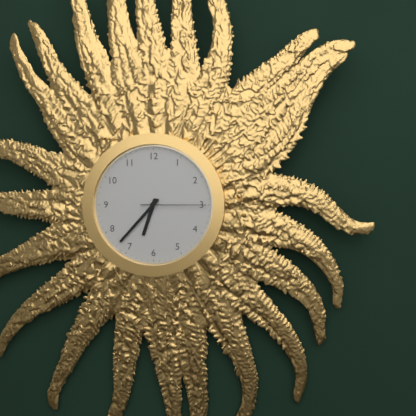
6.37.15
